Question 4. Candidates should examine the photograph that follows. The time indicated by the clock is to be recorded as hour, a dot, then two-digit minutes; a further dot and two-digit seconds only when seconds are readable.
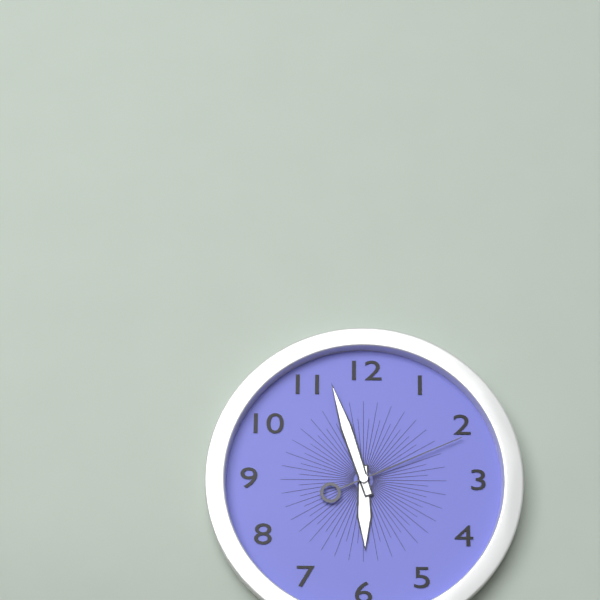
5.57.11
